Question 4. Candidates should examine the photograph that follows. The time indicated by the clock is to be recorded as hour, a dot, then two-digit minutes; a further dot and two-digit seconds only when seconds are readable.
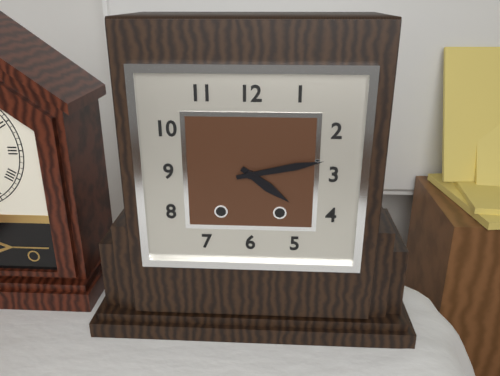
4.13
